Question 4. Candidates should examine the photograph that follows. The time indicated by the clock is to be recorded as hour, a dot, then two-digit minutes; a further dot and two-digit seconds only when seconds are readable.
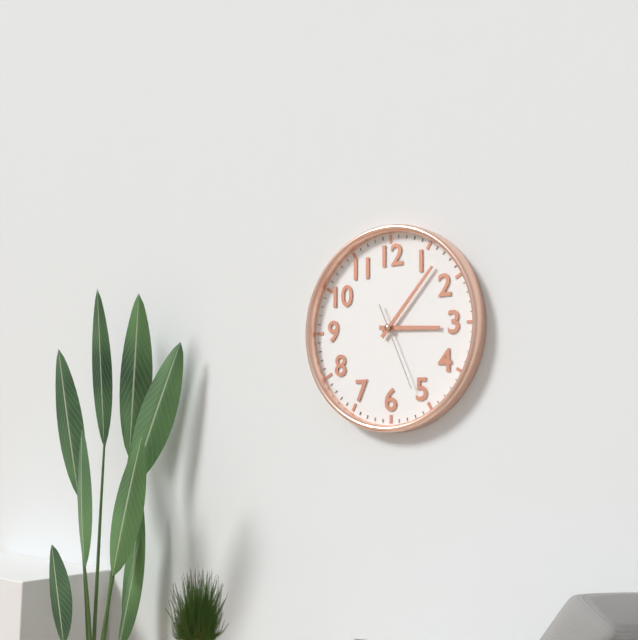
3.07.26
